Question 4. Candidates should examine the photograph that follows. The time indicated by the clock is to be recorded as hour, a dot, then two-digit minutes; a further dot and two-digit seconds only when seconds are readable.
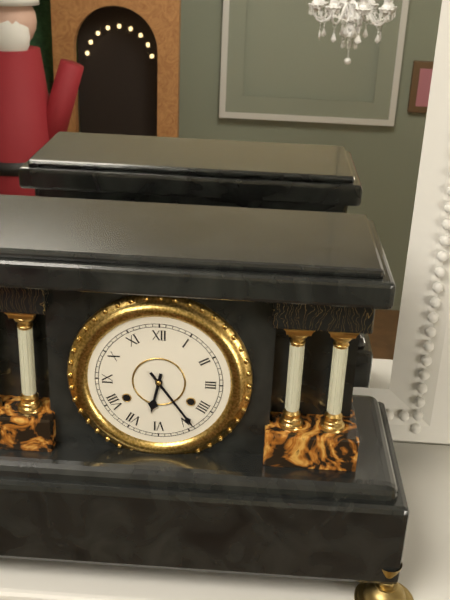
6.24
